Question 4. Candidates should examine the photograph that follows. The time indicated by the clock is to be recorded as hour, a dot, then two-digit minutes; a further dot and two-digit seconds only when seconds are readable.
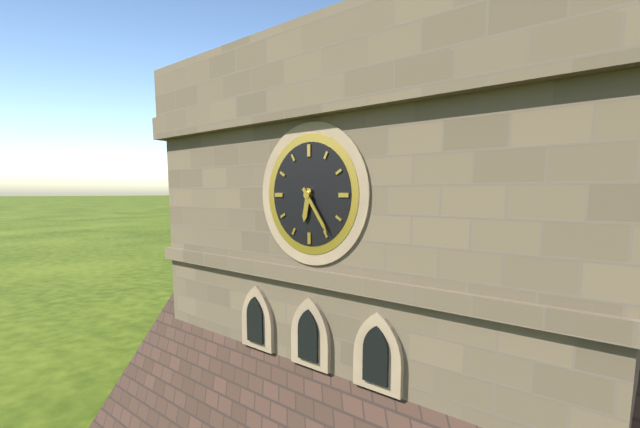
6.24
